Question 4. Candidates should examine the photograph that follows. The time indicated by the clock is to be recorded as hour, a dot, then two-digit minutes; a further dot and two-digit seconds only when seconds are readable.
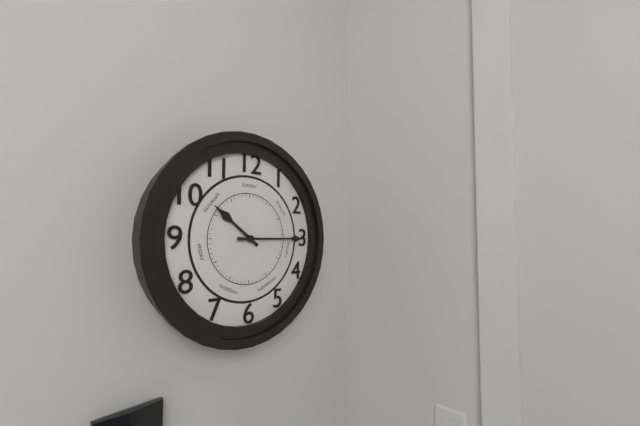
10.15
